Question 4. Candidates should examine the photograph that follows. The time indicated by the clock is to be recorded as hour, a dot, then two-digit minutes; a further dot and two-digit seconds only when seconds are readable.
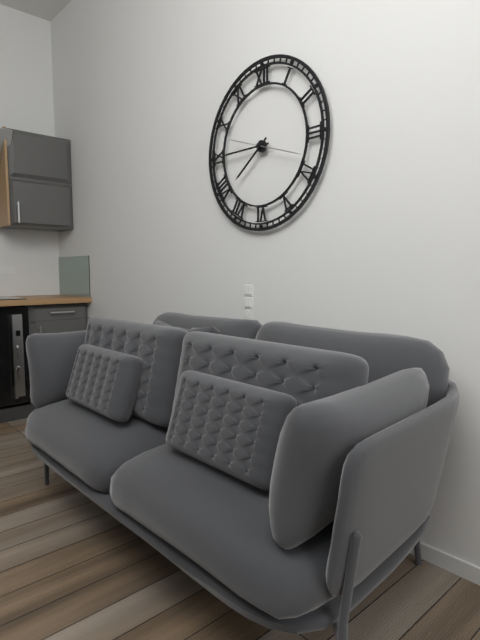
7.45
